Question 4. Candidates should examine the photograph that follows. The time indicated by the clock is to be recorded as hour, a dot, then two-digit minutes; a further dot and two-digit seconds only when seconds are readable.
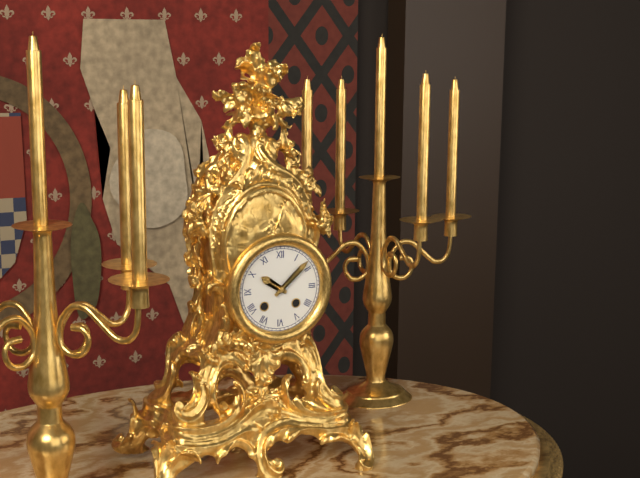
10.08
